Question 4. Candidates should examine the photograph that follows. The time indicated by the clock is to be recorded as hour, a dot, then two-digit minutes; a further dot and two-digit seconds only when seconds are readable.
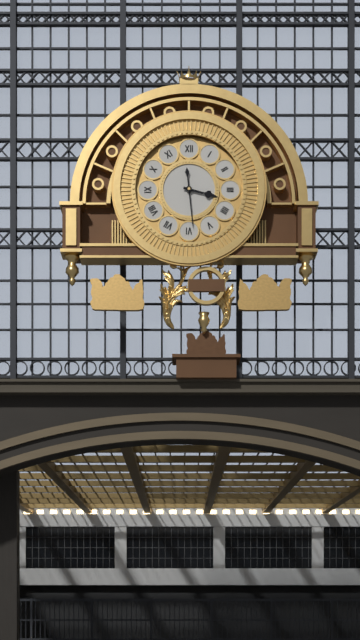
3.29
